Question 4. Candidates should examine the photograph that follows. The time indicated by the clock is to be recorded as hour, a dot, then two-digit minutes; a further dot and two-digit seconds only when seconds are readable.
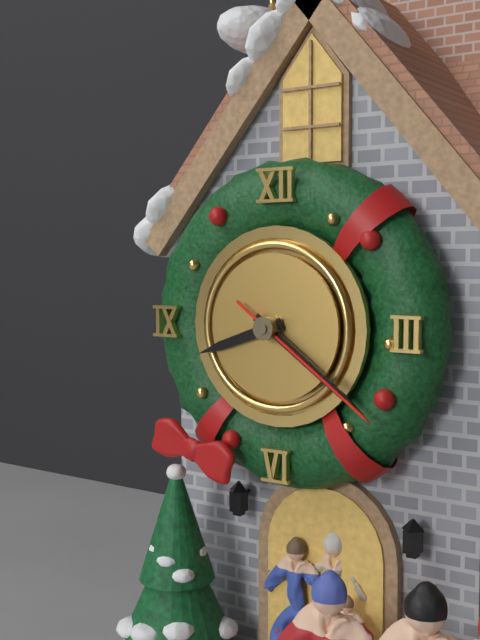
8.21.21
